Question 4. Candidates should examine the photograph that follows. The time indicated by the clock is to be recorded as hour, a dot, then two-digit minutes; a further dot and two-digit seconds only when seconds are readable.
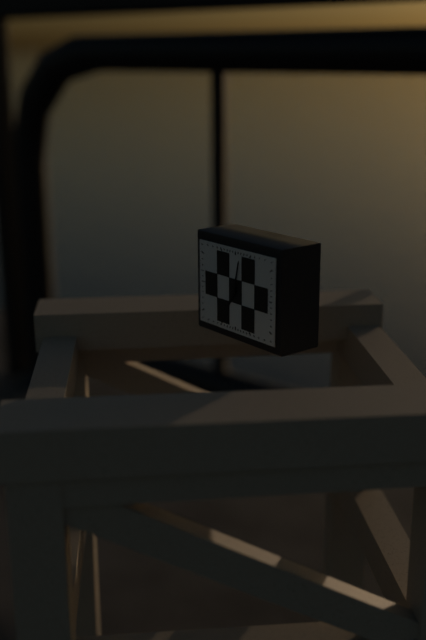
7.02
